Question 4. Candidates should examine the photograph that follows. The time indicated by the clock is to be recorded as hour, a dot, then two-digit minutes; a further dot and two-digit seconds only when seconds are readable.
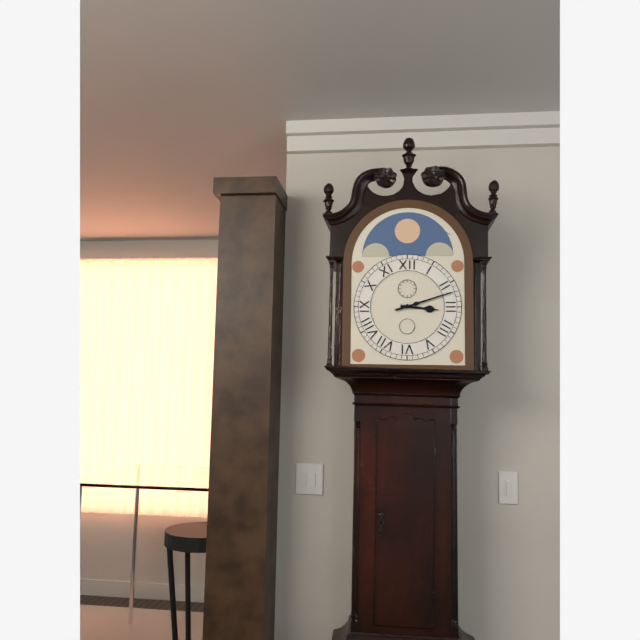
3.12
